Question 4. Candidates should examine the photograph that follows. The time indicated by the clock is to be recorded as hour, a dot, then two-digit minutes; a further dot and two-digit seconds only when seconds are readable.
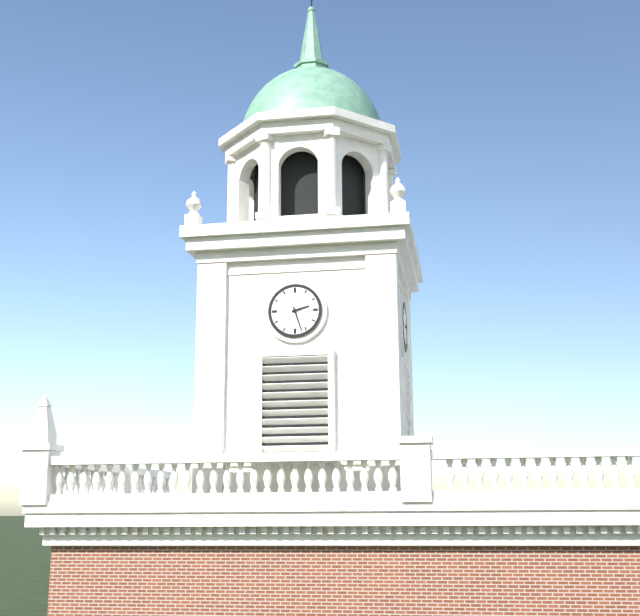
2.27
